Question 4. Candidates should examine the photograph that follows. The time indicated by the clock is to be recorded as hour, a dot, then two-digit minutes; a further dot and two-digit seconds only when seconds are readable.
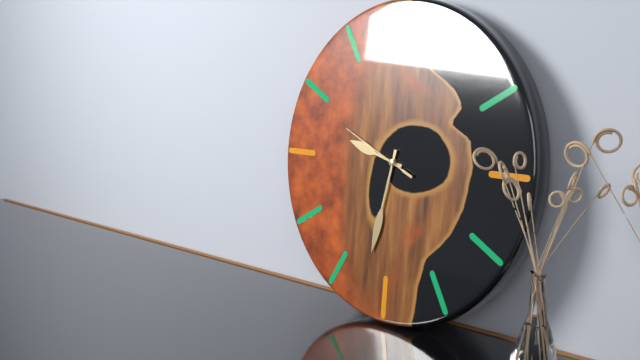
9.32.49
